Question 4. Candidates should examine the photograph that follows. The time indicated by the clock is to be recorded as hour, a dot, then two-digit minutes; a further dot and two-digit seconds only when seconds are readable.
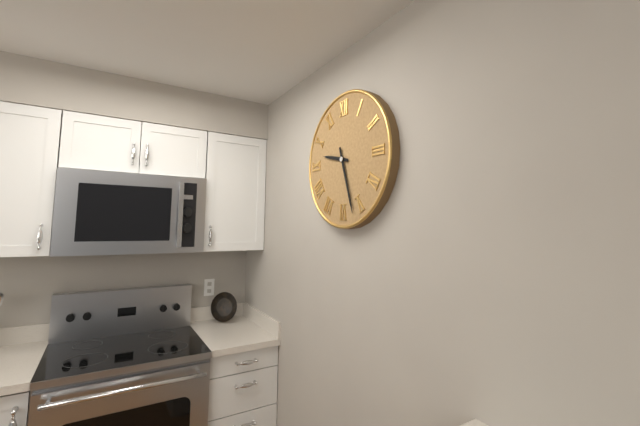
9.27
